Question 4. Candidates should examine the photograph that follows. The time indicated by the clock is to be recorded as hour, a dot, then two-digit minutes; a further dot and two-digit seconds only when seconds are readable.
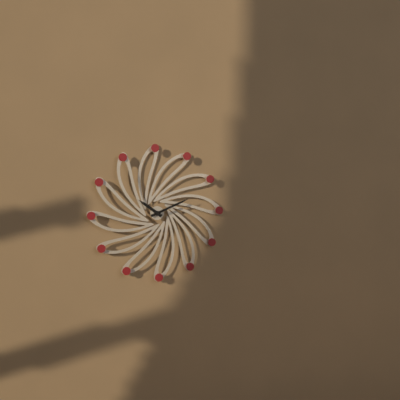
10.11
